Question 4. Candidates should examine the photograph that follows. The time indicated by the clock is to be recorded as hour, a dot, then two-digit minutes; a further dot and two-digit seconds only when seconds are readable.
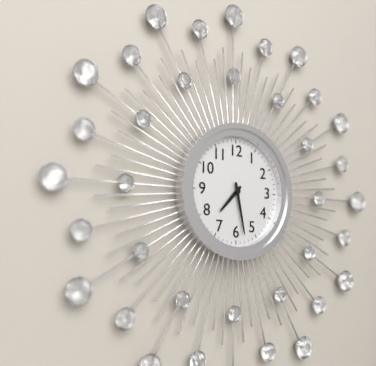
7.28
